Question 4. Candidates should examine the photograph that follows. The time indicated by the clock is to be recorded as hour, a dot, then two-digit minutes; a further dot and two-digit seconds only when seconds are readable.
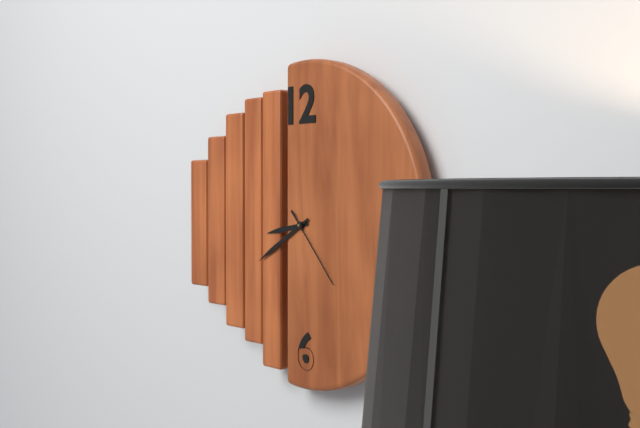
8.40.23
